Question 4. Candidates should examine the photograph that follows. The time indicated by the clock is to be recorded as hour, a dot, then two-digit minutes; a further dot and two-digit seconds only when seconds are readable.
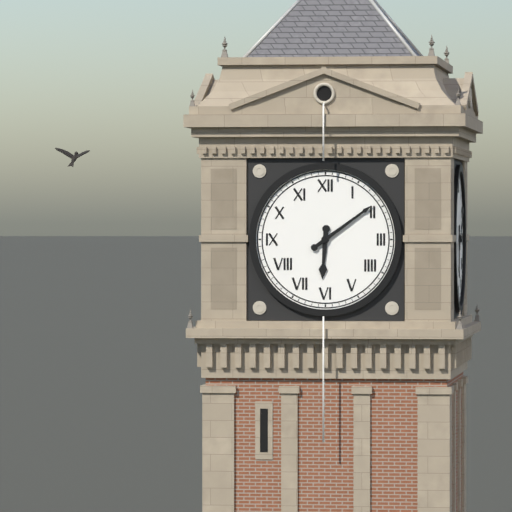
6.09
